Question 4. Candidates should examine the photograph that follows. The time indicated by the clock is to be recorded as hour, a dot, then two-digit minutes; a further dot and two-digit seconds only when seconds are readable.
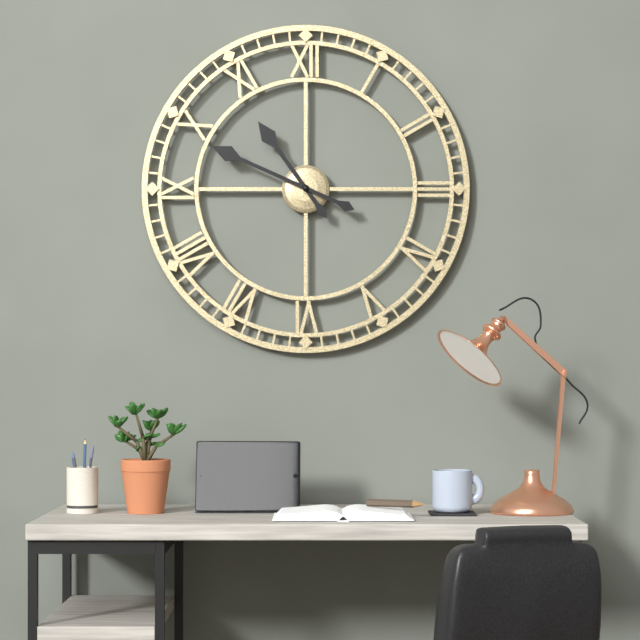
10.49
